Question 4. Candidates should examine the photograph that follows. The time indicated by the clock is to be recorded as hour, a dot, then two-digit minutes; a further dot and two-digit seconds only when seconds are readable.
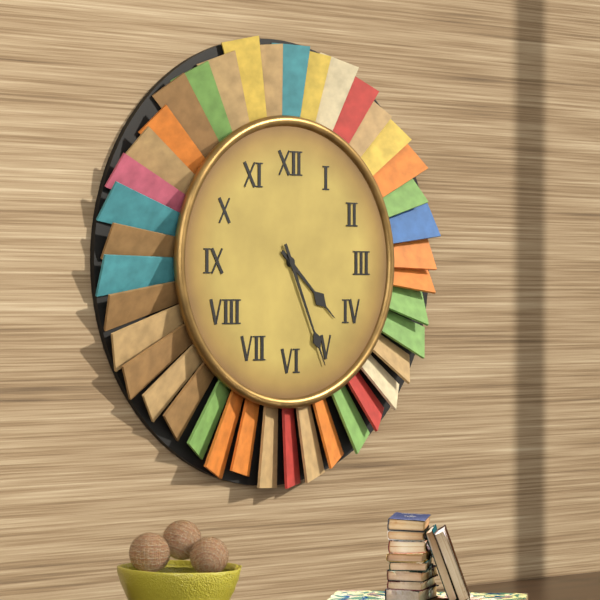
4.26
